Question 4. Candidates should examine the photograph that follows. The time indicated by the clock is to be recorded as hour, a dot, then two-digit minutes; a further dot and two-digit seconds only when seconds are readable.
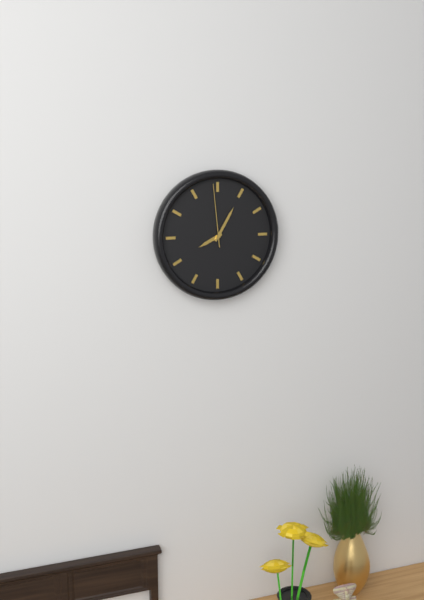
8.05.59
